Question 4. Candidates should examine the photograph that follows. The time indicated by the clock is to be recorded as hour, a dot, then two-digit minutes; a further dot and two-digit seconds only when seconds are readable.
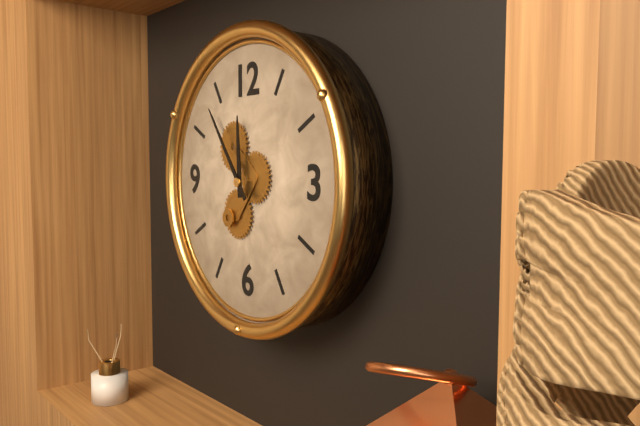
11.54
